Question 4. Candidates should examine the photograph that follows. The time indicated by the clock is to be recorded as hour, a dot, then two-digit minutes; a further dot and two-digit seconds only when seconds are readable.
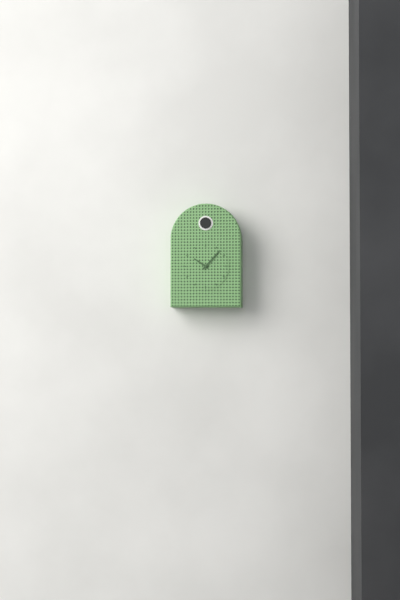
10.07
